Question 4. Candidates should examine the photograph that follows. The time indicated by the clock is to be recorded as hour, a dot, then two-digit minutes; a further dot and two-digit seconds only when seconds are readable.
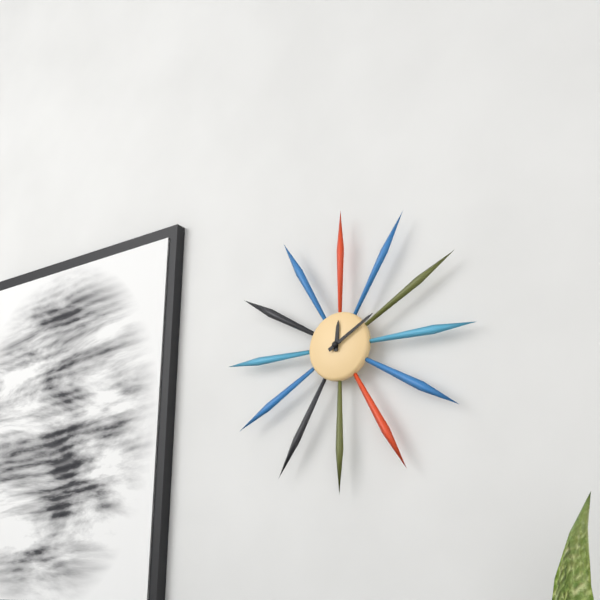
12.10
